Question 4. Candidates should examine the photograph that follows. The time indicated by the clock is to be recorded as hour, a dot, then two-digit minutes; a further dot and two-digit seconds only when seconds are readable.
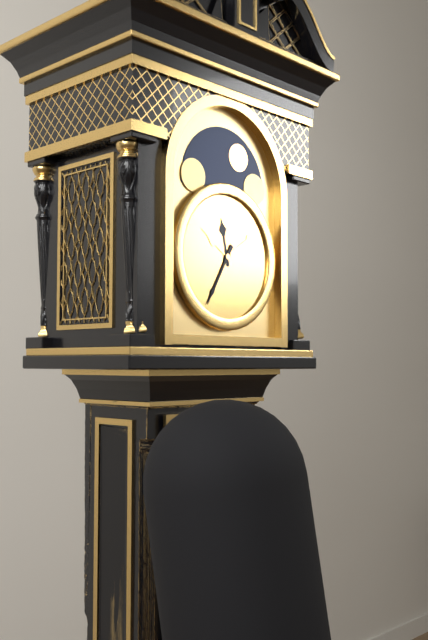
11.35
